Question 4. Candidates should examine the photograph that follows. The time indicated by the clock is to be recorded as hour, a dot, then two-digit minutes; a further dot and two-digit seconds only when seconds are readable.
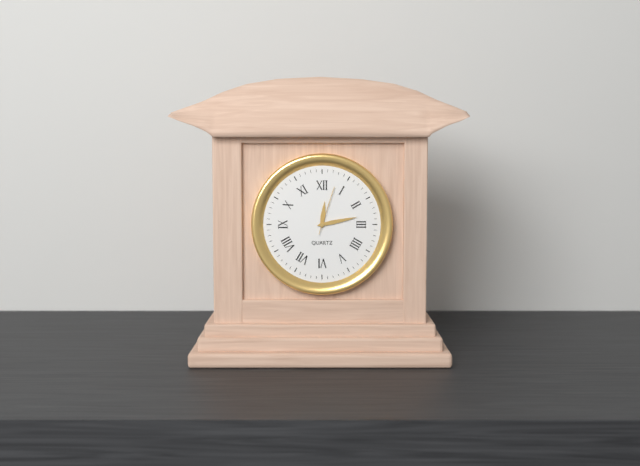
12.13
